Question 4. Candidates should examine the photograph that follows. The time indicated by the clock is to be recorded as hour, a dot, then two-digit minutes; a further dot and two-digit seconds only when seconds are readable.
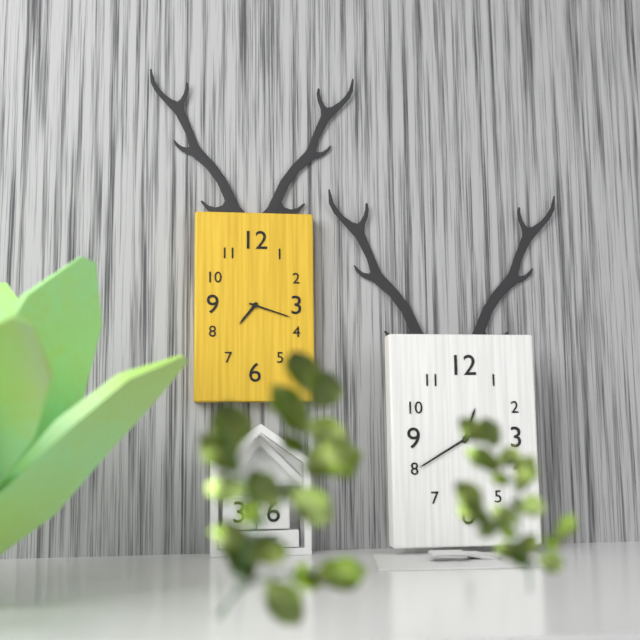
7.18
